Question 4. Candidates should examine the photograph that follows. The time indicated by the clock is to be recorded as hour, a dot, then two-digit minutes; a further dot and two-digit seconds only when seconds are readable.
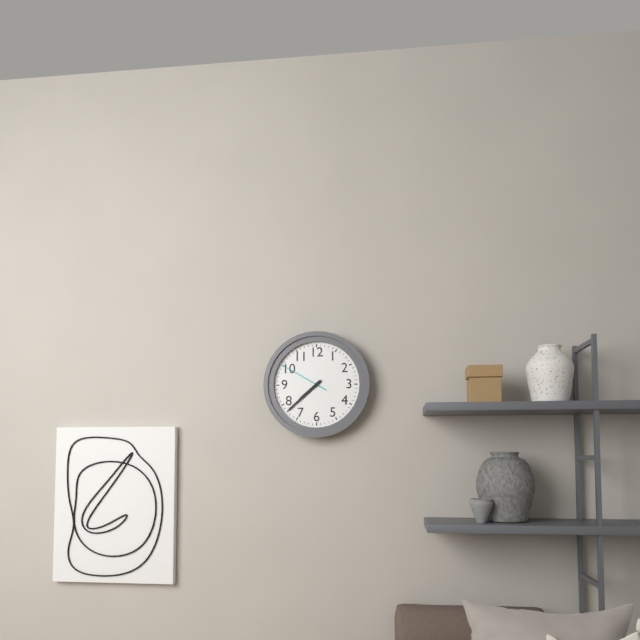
7.38.50
